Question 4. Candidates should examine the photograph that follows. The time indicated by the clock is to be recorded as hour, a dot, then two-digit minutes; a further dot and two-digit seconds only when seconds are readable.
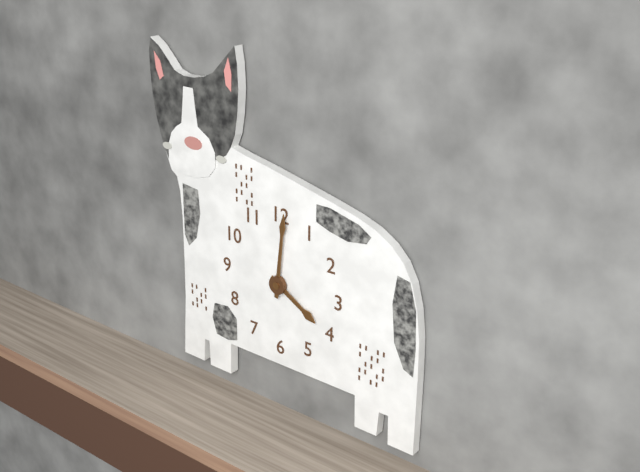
4.01
